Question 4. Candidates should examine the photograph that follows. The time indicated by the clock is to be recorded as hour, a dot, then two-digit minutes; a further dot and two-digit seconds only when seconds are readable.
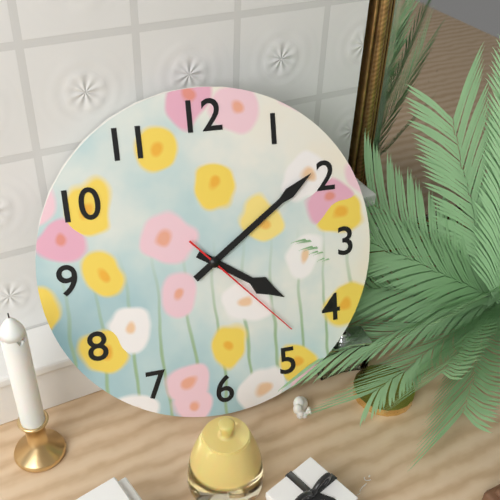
4.09.23
